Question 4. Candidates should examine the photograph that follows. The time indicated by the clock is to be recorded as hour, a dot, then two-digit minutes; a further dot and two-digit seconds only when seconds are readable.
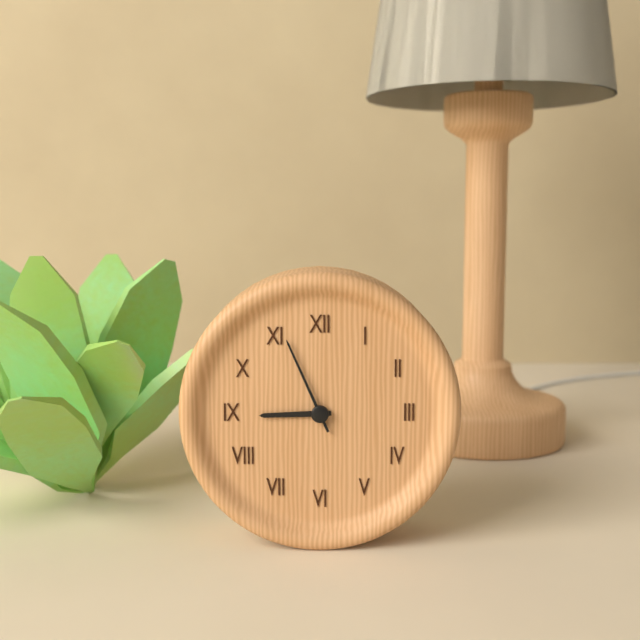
8.56
